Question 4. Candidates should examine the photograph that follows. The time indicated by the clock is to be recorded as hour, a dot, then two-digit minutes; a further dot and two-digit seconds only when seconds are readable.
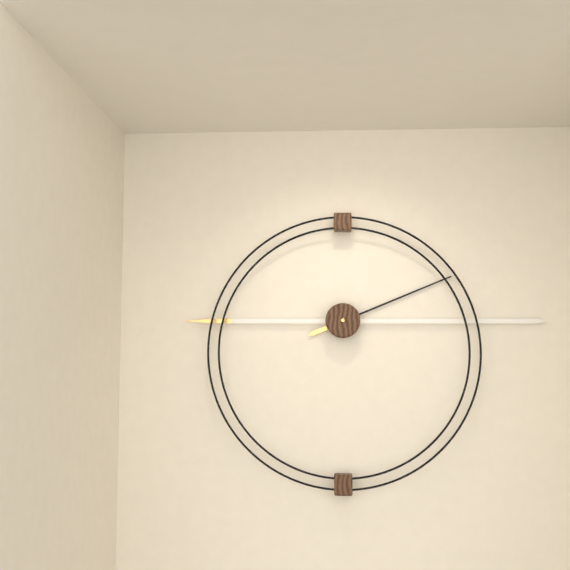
2.15
